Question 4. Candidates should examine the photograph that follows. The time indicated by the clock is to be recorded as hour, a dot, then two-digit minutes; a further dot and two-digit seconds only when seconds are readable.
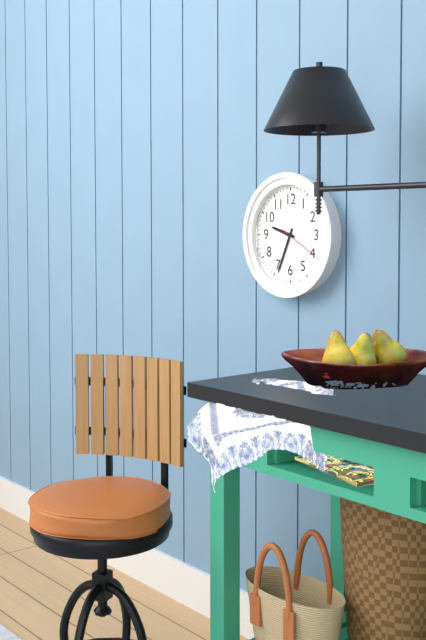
9.34
